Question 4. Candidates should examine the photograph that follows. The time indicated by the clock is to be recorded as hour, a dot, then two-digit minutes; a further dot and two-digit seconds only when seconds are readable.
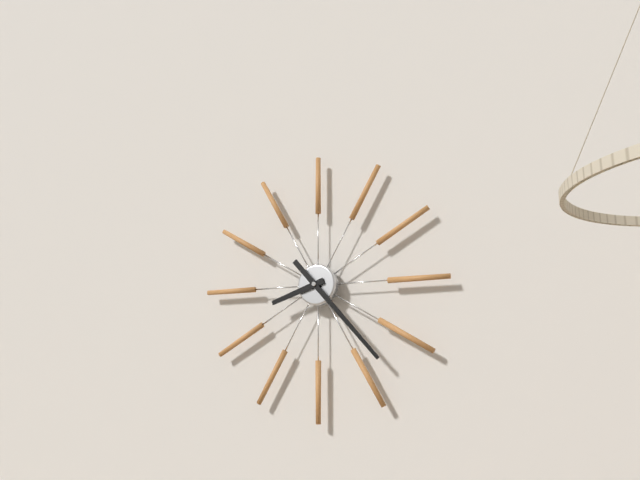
8.23
